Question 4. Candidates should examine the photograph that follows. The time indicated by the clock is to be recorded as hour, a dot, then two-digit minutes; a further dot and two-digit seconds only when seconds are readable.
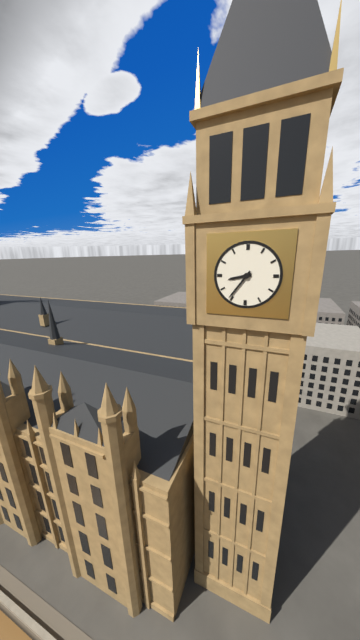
8.36
